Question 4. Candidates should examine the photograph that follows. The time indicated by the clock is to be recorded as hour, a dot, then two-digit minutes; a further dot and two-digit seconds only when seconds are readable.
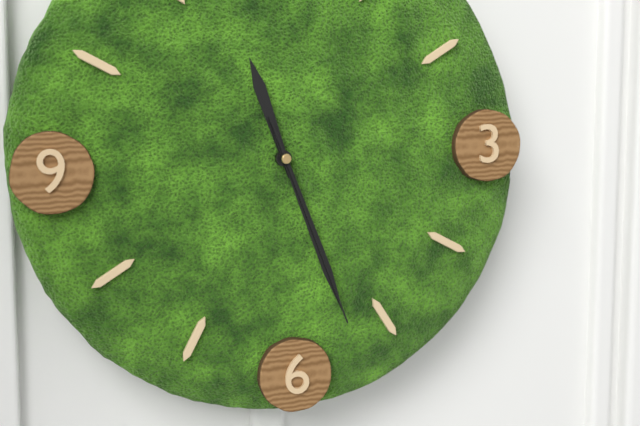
11.27.27
